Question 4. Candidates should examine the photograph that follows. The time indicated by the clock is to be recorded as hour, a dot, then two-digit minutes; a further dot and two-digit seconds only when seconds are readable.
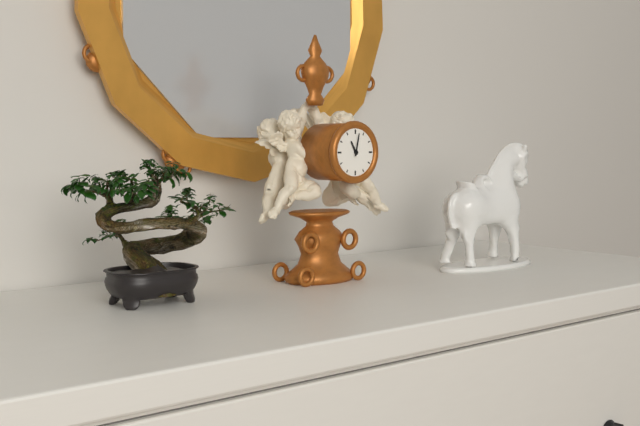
11.02
